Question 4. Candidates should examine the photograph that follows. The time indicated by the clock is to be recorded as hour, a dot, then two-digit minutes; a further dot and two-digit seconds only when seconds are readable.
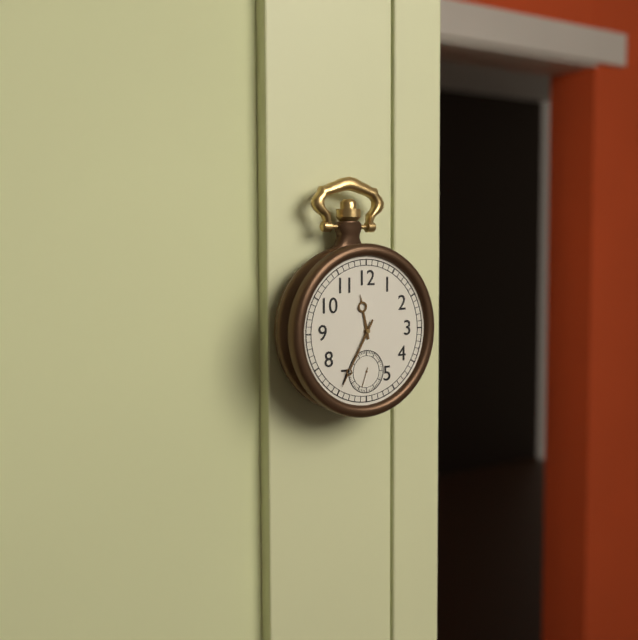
11.35
